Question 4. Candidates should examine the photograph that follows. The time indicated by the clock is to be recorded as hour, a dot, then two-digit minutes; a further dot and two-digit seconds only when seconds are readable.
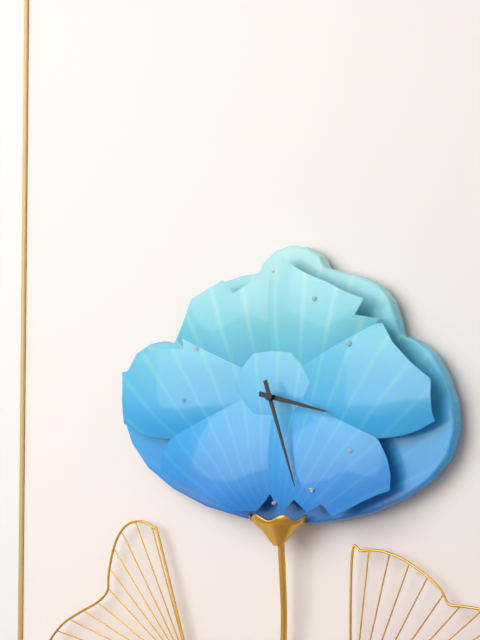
3.27
